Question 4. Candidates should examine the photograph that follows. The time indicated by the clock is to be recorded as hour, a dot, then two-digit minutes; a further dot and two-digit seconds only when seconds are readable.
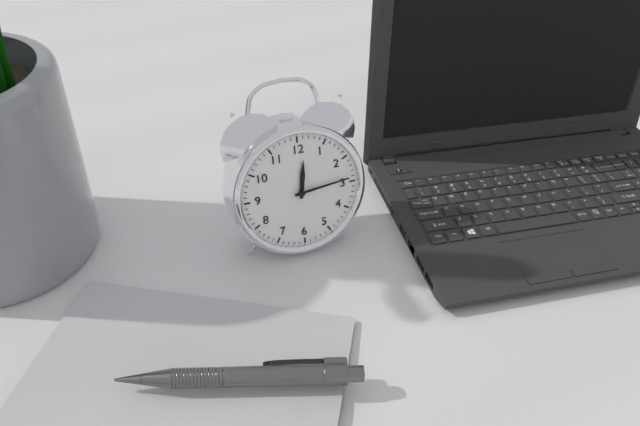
12.14
